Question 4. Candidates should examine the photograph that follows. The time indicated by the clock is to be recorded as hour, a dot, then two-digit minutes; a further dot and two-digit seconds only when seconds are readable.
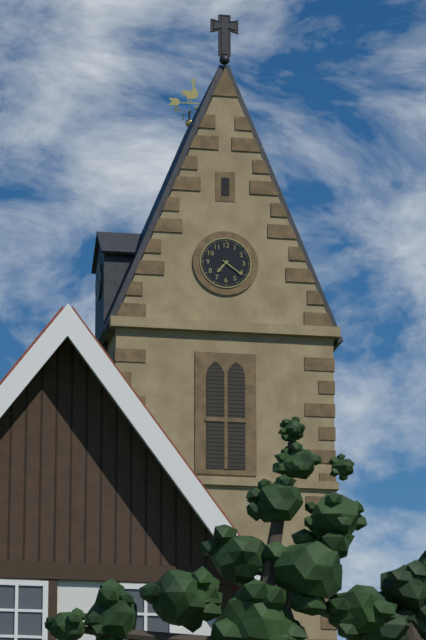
7.21
